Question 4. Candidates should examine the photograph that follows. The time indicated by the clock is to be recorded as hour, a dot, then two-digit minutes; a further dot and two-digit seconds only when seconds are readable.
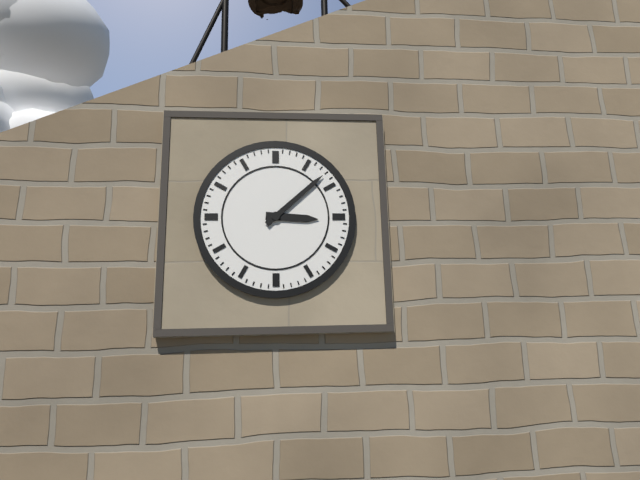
3.08
